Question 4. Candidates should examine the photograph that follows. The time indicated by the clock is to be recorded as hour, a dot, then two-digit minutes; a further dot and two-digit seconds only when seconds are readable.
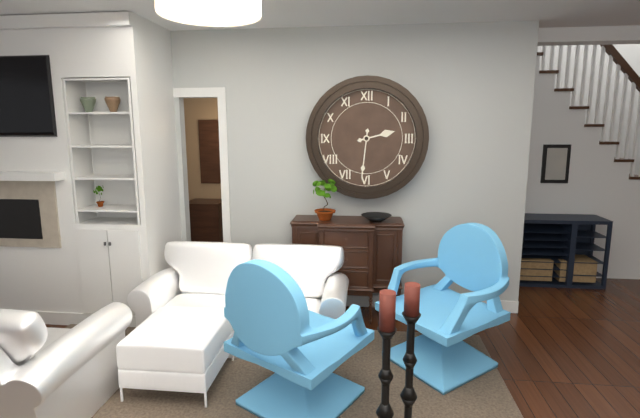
2.31
